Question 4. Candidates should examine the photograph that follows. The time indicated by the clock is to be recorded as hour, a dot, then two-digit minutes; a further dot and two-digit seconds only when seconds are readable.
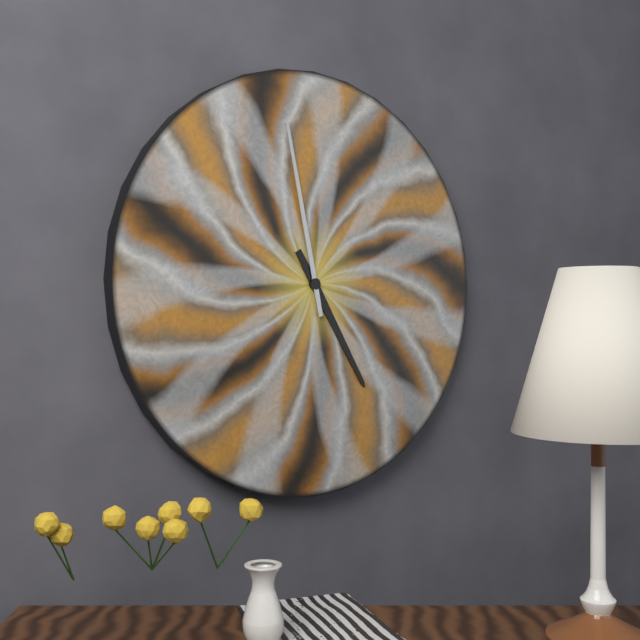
4.58
